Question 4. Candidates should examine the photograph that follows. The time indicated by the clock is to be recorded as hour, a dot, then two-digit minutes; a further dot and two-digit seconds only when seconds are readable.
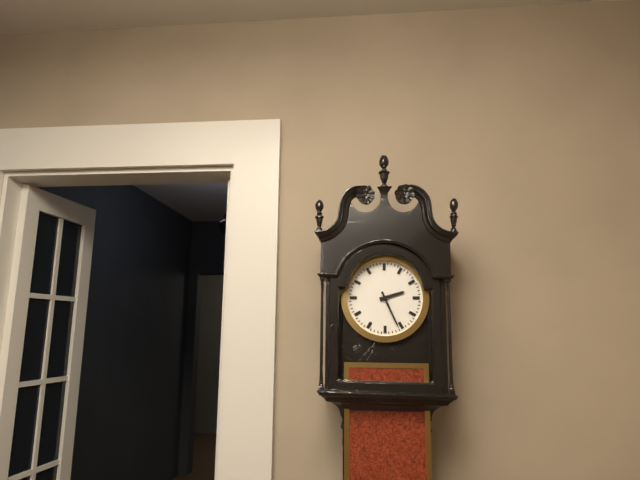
2.26
